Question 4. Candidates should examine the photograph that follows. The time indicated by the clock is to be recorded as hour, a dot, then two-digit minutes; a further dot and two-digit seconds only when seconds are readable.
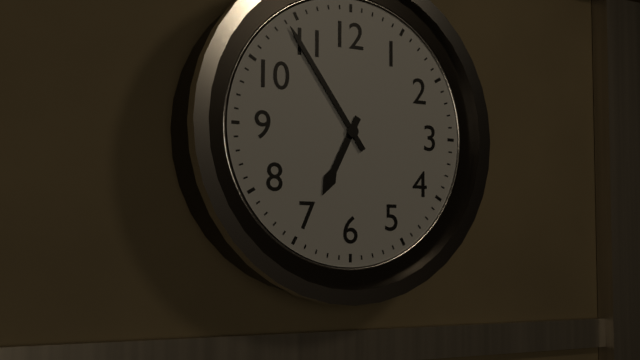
6.54
